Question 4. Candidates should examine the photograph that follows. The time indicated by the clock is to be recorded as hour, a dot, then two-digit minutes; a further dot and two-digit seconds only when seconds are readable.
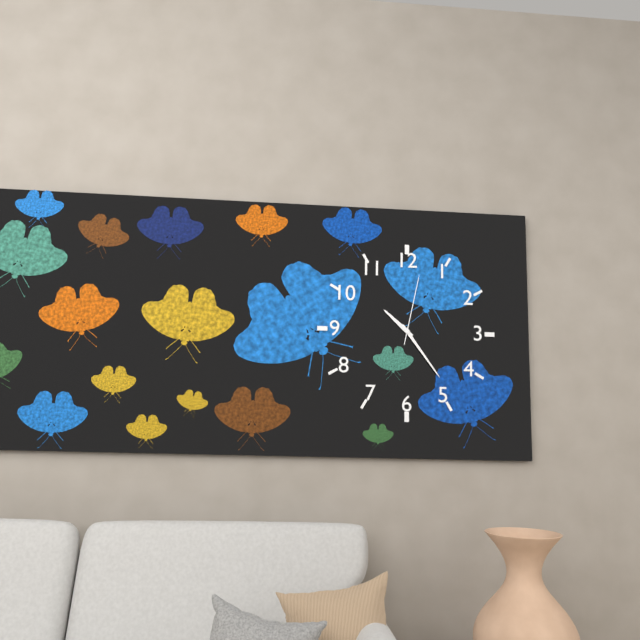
10.24.02
